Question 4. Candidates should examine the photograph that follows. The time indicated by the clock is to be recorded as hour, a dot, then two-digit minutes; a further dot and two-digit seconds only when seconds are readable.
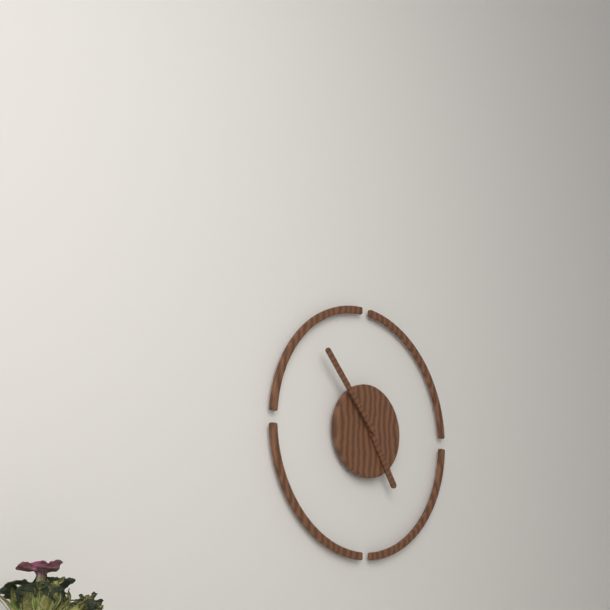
4.53
